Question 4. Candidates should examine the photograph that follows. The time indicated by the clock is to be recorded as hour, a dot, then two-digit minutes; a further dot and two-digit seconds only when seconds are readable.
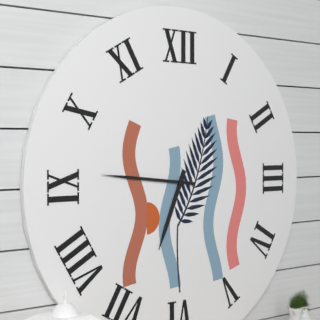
6.46
